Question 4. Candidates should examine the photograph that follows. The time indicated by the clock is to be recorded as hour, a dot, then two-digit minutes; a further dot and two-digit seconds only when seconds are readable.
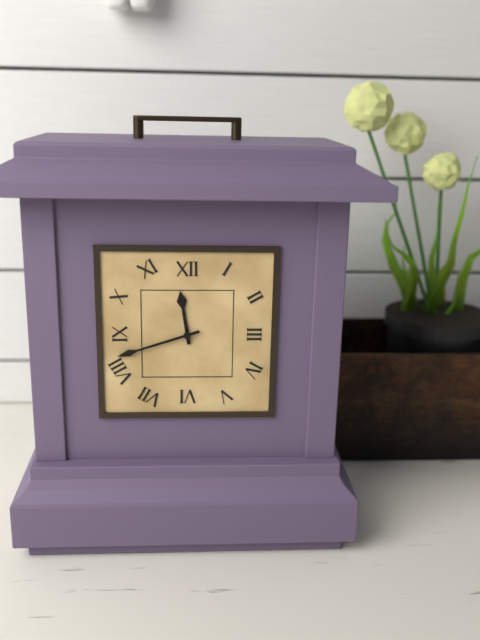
11.42
